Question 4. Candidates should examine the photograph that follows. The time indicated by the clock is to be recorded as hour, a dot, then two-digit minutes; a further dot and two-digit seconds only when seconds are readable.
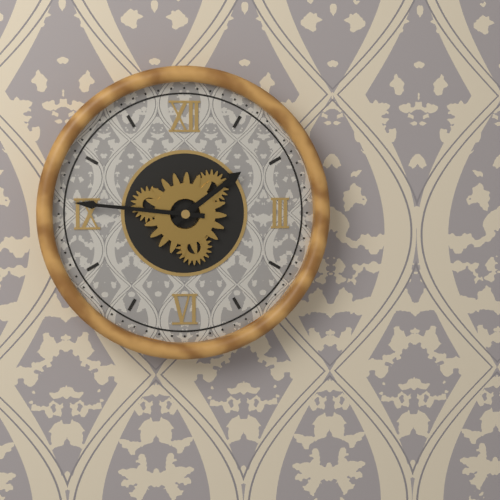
1.46
